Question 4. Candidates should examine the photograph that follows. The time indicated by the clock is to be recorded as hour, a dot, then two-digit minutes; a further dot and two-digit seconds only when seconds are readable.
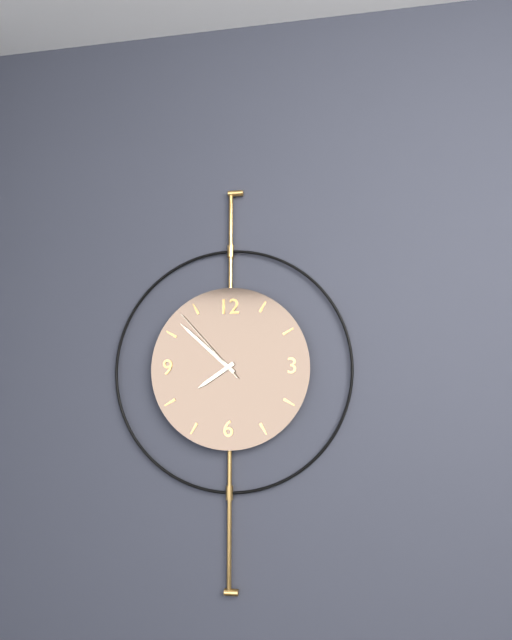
7.52.53
